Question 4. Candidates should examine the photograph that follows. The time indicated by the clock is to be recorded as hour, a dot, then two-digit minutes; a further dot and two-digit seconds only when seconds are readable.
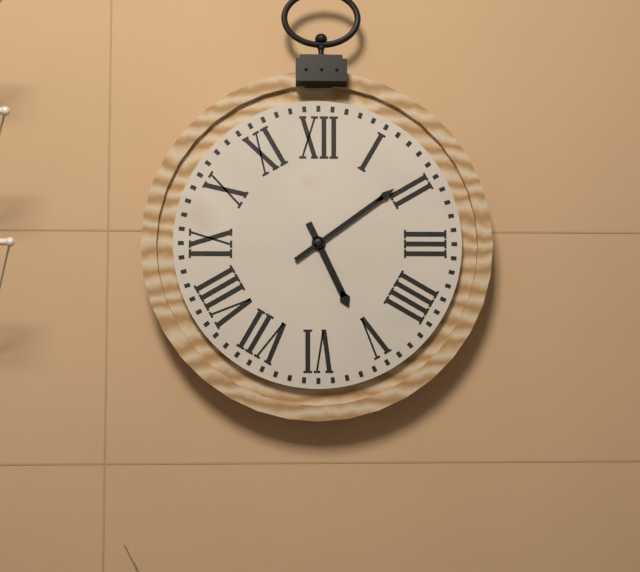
5.09
